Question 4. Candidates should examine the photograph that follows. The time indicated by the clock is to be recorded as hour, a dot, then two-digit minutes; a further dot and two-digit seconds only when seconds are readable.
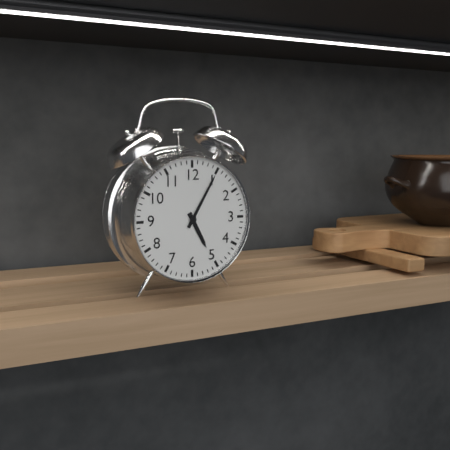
5.05
